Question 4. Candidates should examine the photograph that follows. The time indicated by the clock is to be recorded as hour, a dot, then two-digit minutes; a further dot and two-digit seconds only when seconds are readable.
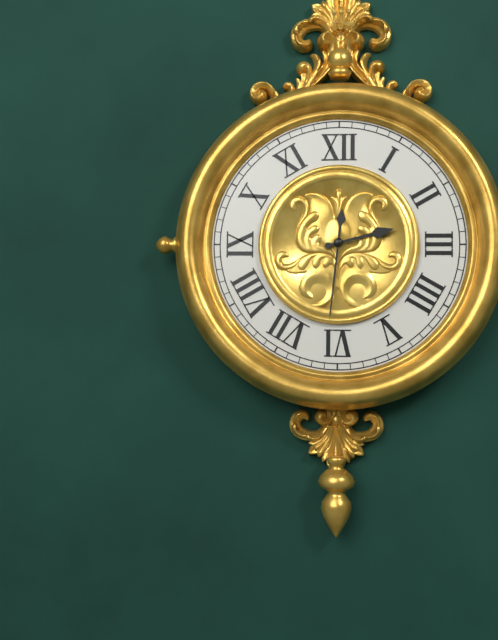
2.31
